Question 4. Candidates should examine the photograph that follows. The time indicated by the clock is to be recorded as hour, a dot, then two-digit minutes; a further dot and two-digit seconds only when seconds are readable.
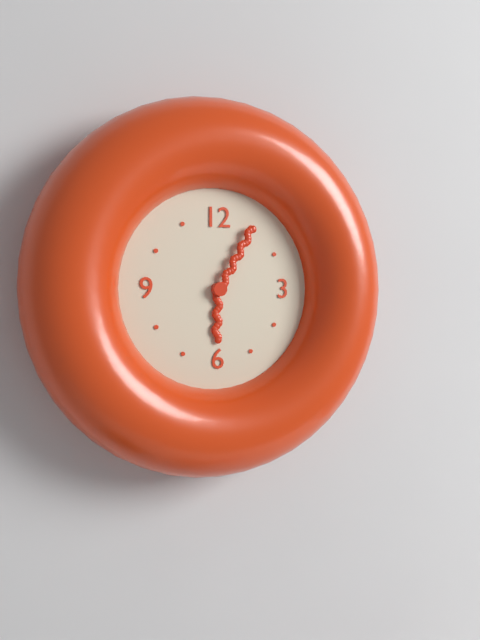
6.05
